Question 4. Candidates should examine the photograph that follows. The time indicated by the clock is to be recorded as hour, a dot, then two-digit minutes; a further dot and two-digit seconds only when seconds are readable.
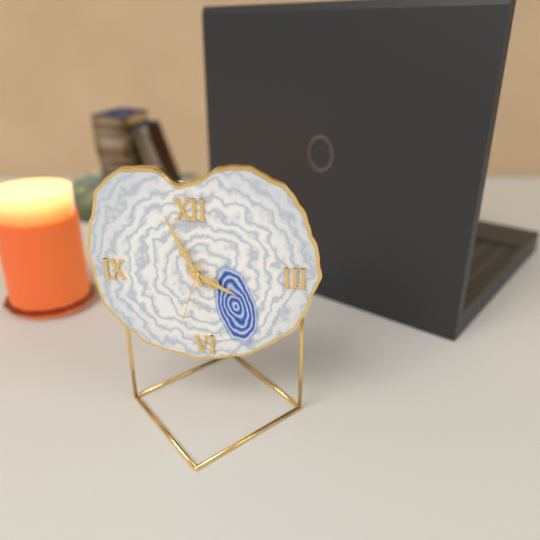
3.56.33
